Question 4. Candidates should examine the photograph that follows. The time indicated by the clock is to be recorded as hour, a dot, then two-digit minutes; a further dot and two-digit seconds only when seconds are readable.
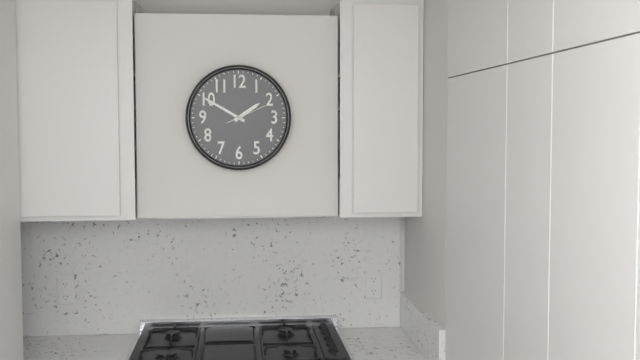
1.50
